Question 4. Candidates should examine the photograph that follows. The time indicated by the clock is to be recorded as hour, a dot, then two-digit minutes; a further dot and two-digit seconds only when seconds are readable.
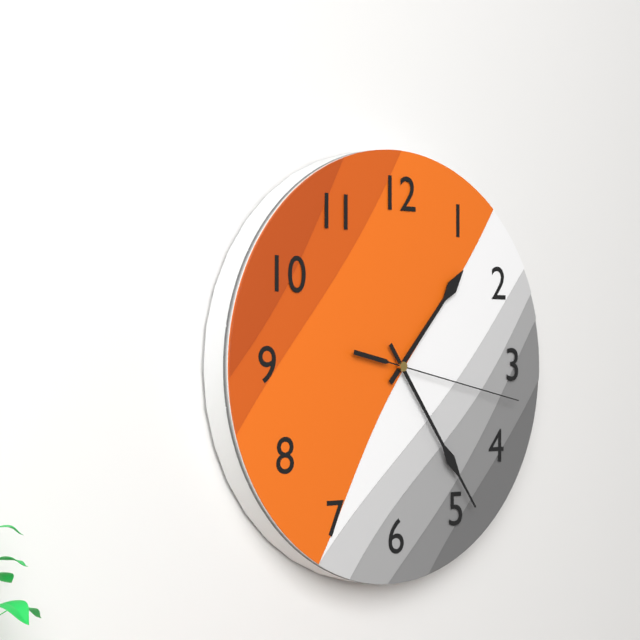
1.24.17
